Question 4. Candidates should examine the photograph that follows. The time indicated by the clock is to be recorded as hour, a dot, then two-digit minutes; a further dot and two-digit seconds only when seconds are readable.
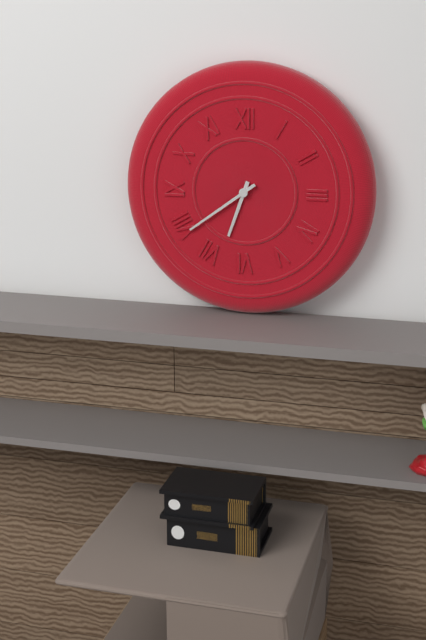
6.39
